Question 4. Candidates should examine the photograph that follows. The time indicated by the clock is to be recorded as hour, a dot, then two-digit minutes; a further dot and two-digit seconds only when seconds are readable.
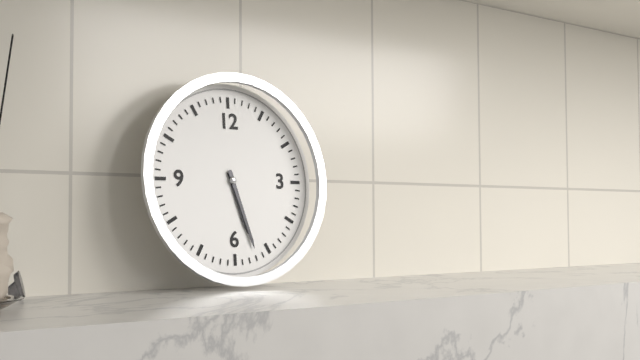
5.27
